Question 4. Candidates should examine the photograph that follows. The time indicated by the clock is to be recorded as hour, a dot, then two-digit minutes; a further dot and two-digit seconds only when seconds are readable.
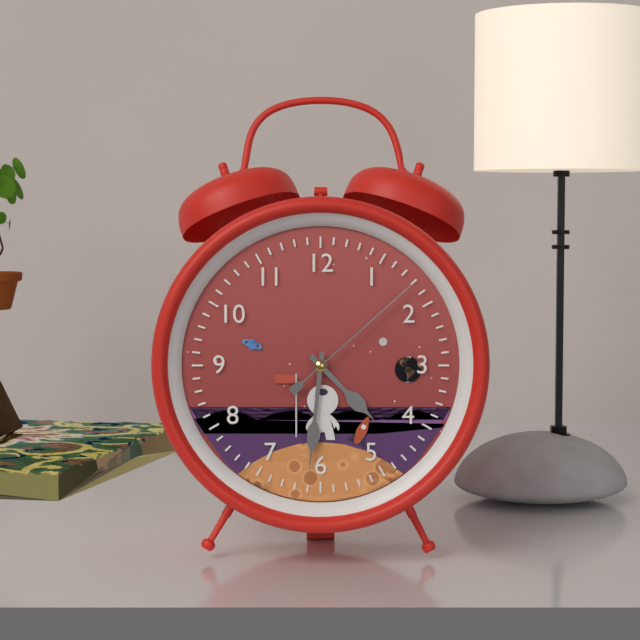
4.31.08
